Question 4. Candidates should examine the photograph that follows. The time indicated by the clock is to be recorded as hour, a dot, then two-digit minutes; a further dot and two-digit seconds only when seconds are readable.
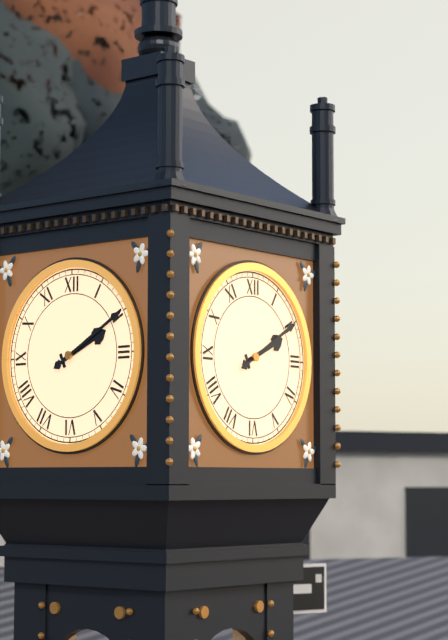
2.10
